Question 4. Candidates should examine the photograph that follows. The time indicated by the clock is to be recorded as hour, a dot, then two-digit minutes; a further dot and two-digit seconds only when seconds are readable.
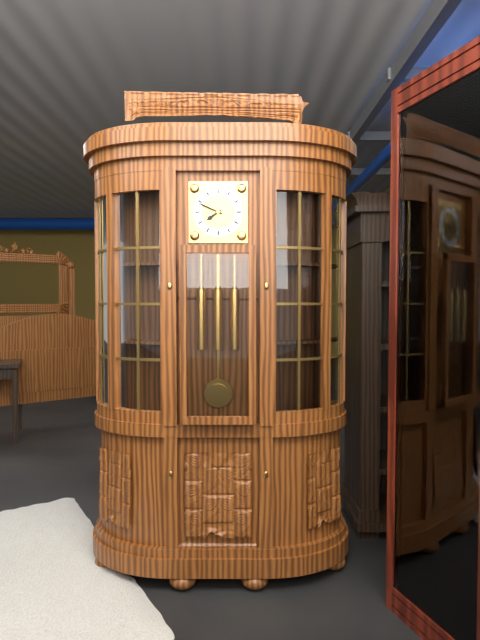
7.49
